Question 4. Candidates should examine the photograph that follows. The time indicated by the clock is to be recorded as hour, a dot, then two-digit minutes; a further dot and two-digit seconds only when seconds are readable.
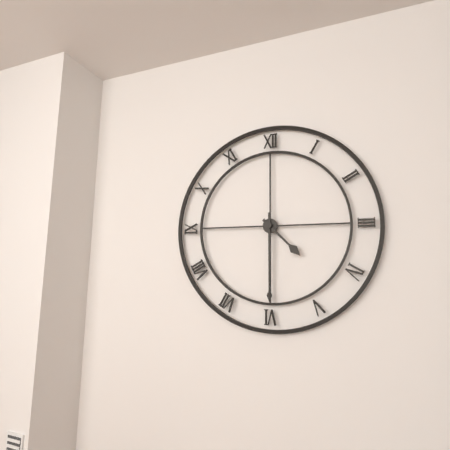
4.30
